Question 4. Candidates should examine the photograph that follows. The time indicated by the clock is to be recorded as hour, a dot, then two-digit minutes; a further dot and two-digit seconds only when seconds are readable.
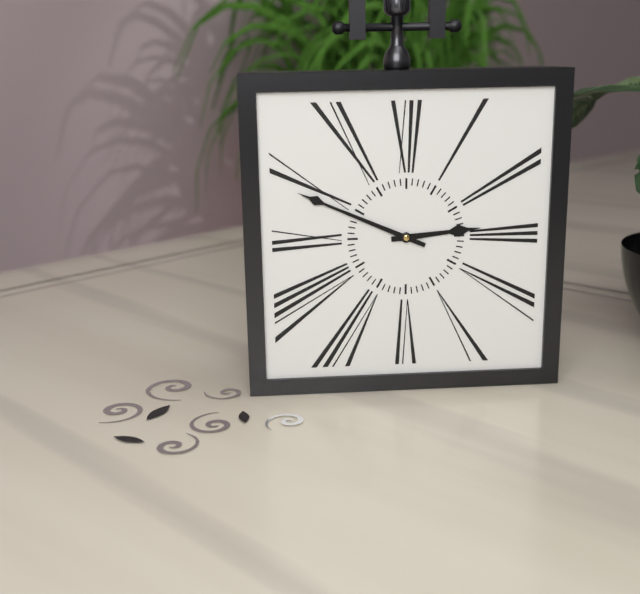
2.49
